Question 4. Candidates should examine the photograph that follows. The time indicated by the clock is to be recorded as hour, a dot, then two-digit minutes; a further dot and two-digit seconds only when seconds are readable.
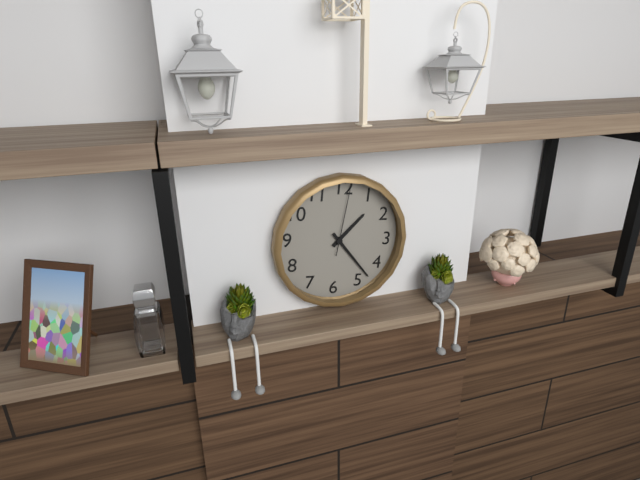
1.23.01
